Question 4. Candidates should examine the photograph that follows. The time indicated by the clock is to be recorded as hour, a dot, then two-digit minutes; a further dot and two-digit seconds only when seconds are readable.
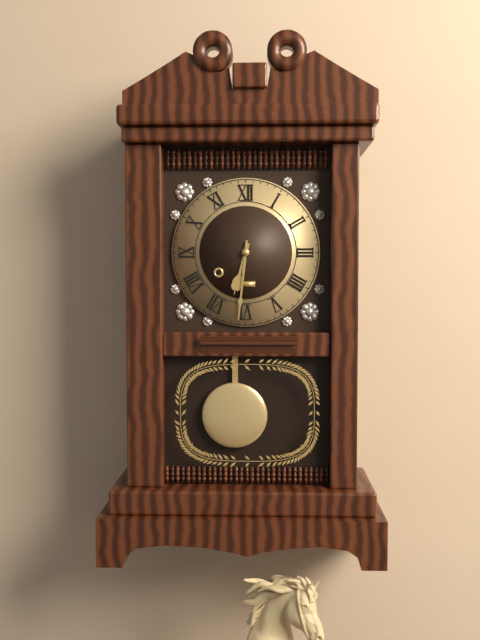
6.31
